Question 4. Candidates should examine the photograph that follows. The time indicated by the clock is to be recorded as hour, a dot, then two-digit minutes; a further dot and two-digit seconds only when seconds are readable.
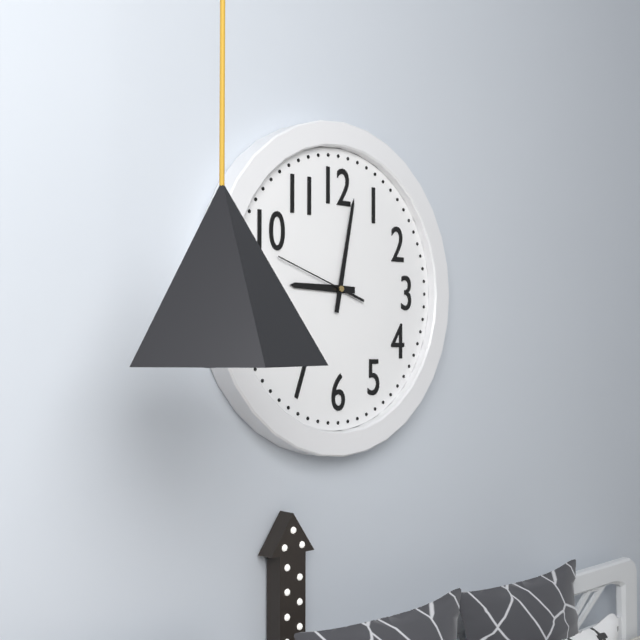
9.02.48
